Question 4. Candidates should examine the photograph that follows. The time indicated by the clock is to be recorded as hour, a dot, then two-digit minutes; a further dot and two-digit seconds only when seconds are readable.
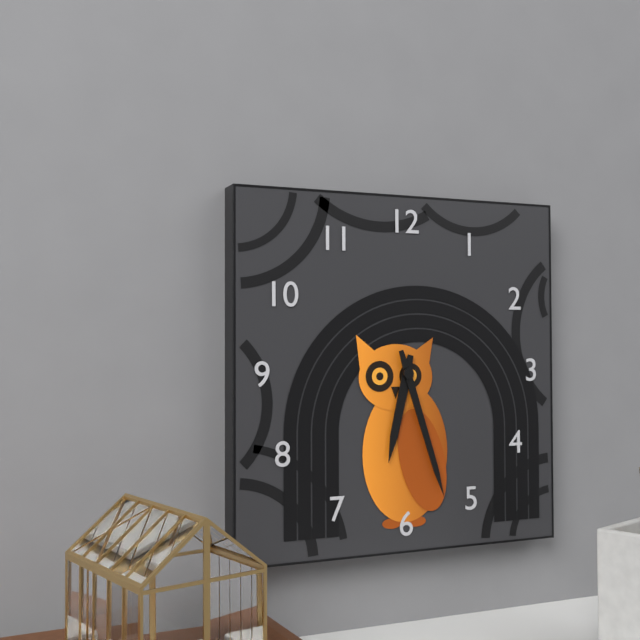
6.27
